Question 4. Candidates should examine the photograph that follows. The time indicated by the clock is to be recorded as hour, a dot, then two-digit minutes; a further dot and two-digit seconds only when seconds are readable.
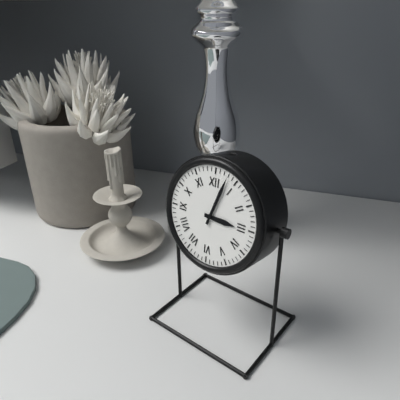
3.03
